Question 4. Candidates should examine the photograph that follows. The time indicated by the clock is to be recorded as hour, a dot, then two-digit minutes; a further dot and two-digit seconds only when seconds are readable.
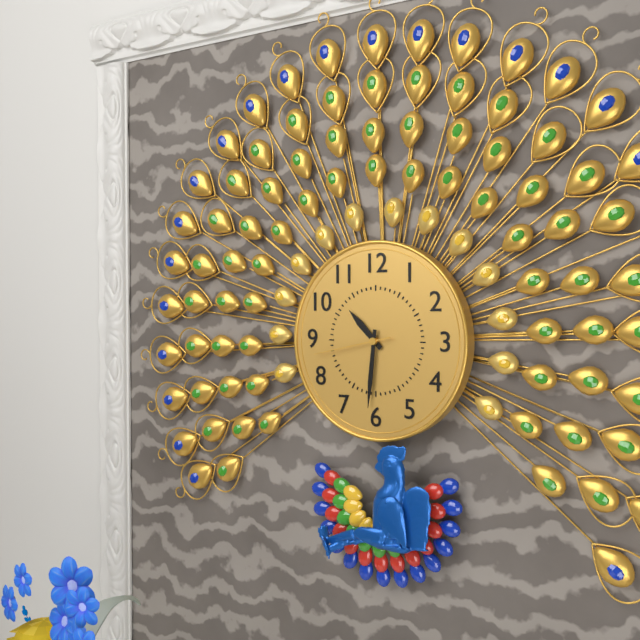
10.31.43
